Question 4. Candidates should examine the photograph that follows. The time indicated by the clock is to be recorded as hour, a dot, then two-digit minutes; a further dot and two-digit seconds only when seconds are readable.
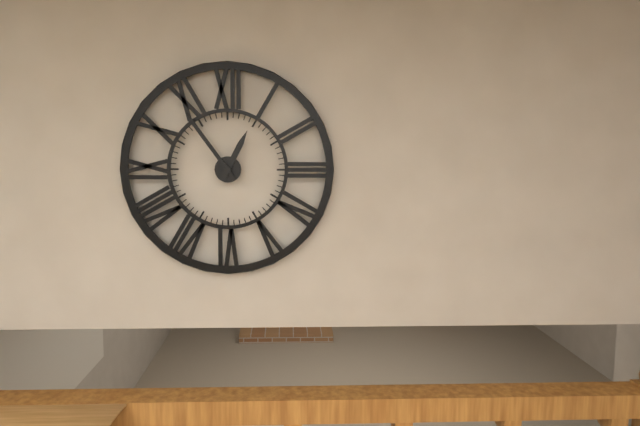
12.54
